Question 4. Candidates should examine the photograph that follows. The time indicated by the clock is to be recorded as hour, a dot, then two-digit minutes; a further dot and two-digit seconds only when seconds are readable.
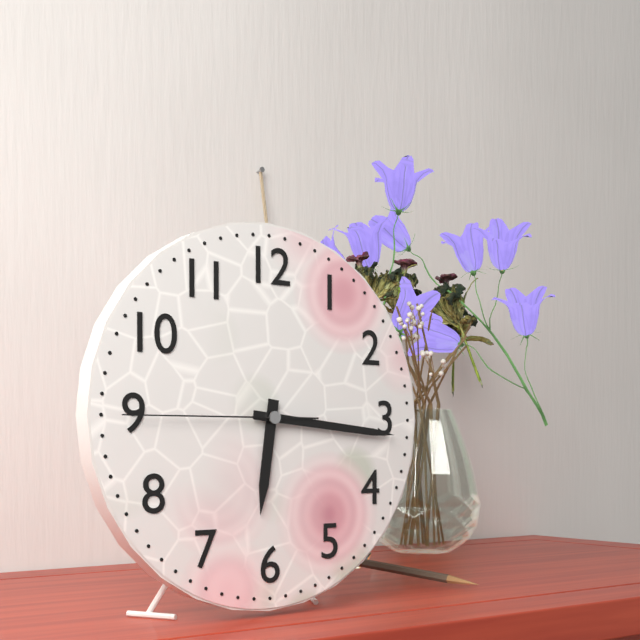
6.16.45
